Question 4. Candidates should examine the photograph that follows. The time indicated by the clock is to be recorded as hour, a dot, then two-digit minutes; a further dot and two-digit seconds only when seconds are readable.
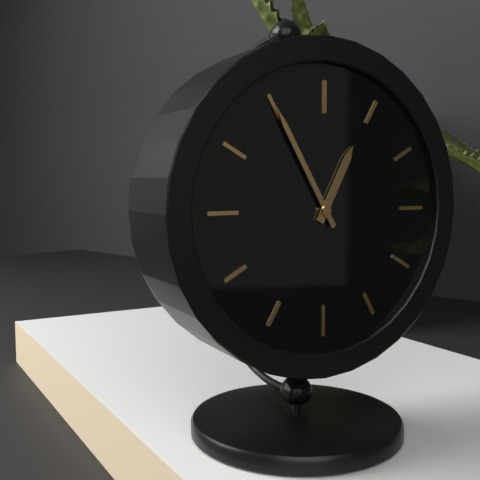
12.55
